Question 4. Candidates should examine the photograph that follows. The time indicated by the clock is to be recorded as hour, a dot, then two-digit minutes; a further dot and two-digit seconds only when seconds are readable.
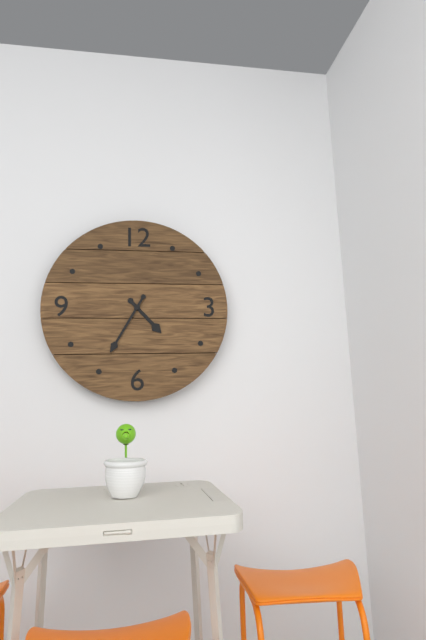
4.35
